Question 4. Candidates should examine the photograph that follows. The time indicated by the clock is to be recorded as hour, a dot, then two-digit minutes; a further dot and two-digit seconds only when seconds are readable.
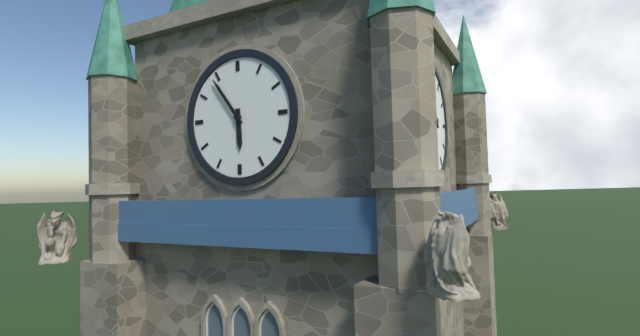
5.54
